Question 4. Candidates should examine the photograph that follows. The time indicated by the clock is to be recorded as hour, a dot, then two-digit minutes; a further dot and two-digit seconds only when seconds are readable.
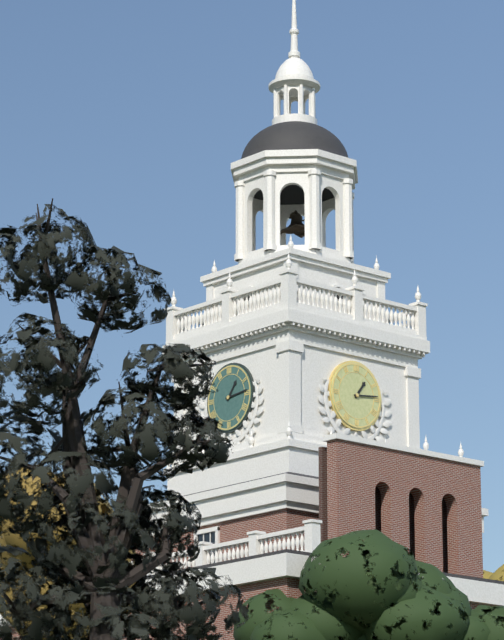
1.14
